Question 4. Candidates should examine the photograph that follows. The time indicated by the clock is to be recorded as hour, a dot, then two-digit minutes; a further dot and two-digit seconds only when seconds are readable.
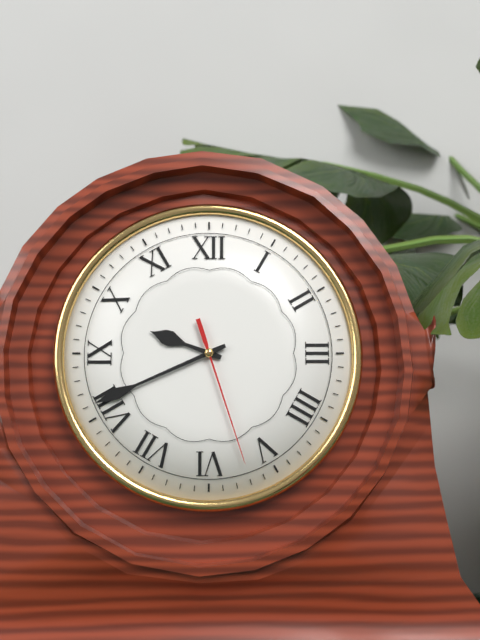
9.41.27
